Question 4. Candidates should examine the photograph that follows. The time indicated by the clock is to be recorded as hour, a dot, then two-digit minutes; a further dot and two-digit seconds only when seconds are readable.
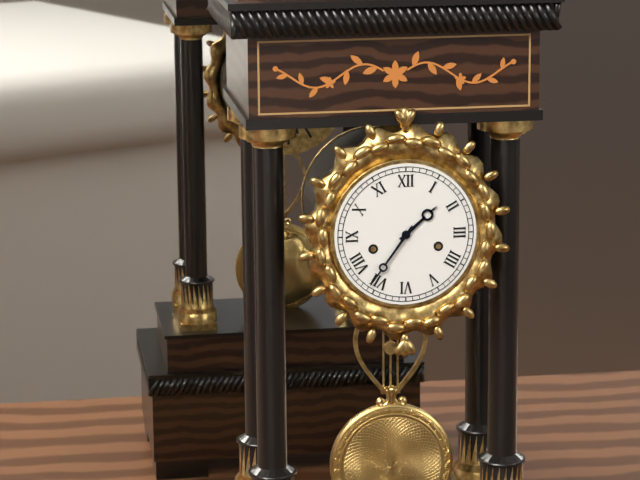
1.36
